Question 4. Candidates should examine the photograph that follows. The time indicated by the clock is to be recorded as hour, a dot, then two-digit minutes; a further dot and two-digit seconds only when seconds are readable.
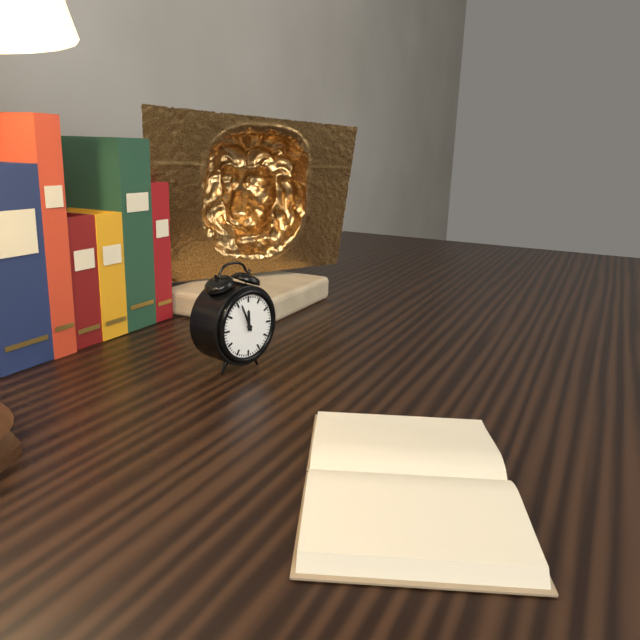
11.56
